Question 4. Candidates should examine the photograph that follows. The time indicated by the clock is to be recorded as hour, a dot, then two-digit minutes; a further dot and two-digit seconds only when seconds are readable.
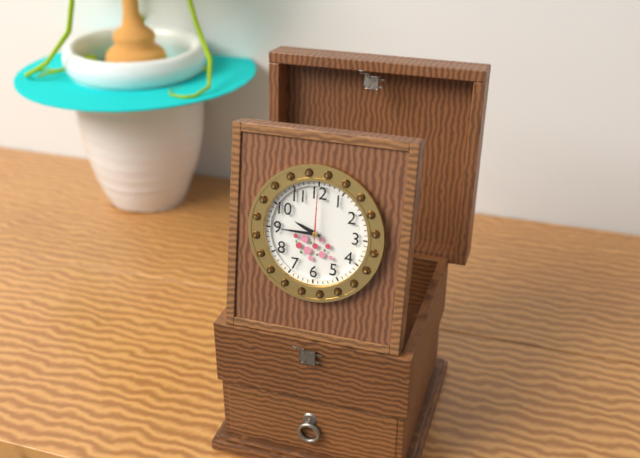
9.45.00
